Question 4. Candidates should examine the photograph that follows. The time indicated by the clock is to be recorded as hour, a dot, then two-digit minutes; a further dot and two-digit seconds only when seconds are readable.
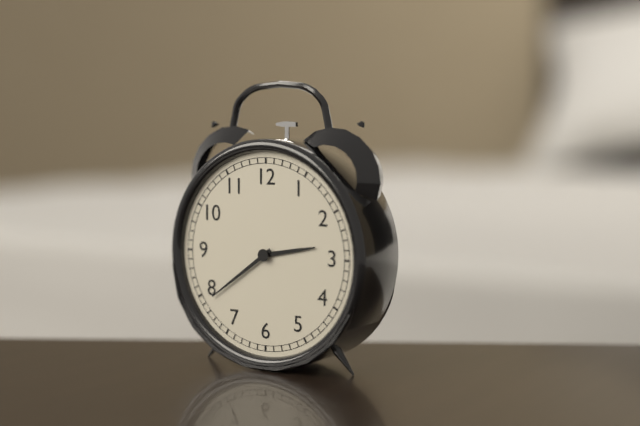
2.39
